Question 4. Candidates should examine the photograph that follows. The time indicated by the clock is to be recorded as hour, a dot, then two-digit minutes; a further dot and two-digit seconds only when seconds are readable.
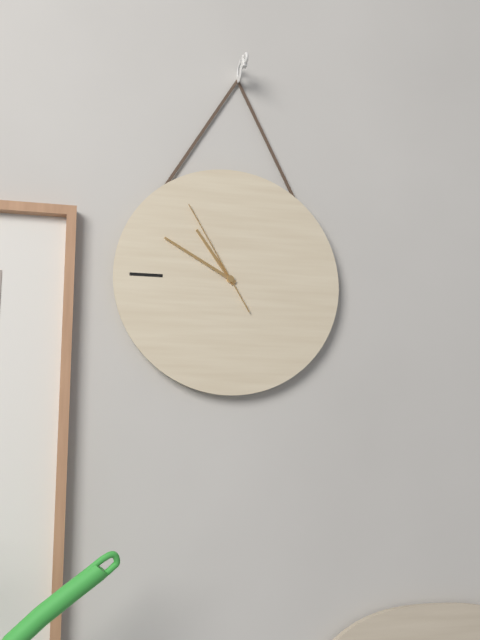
10.50.55
